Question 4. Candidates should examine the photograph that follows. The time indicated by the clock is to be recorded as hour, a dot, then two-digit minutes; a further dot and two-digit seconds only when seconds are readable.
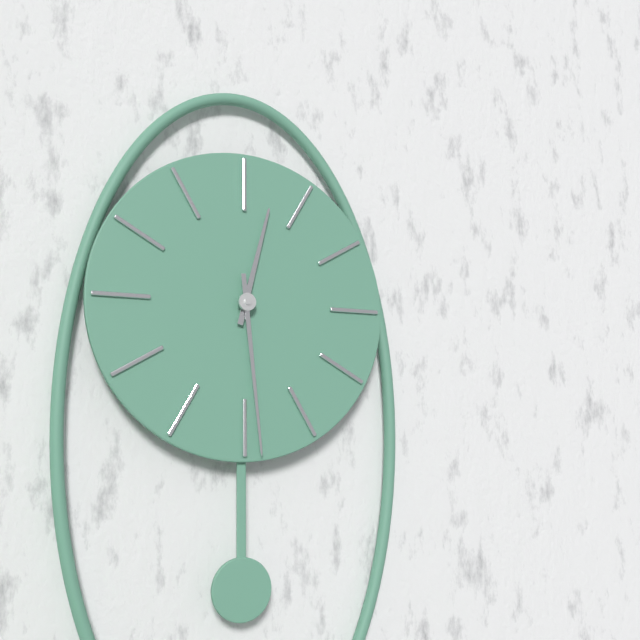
12.29
